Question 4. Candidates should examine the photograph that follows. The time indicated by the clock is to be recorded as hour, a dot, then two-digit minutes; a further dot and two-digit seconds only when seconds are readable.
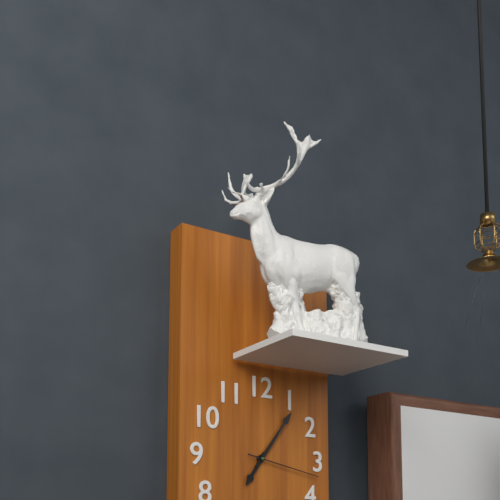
7.06.17
